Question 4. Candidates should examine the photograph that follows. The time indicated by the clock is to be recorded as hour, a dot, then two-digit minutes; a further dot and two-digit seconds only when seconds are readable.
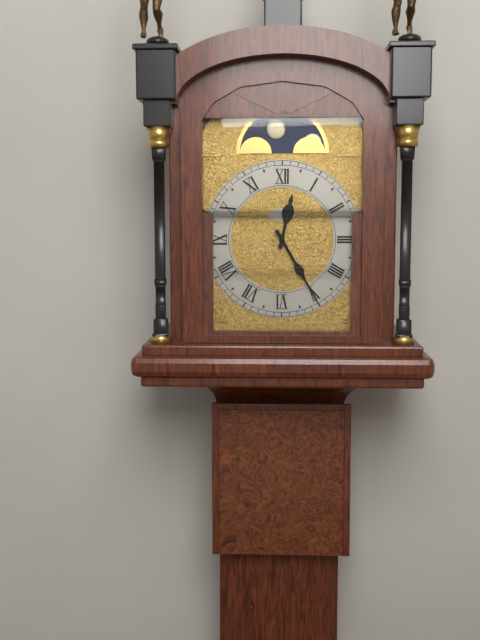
12.25
